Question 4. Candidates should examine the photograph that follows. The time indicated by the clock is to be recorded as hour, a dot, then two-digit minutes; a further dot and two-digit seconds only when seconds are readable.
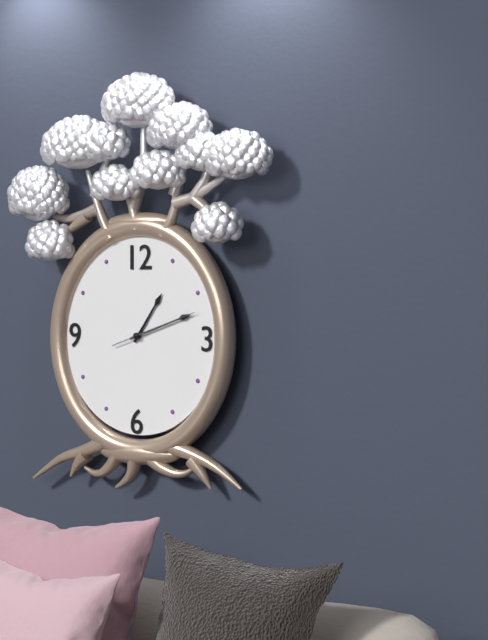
1.12.12
